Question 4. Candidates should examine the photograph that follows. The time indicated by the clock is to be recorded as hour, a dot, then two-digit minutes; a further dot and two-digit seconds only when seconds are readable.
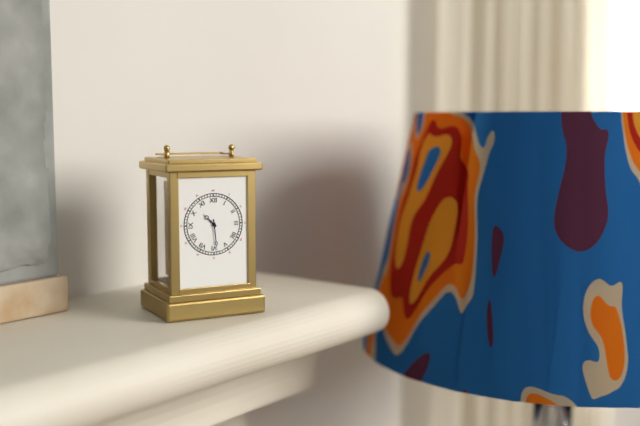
10.29
